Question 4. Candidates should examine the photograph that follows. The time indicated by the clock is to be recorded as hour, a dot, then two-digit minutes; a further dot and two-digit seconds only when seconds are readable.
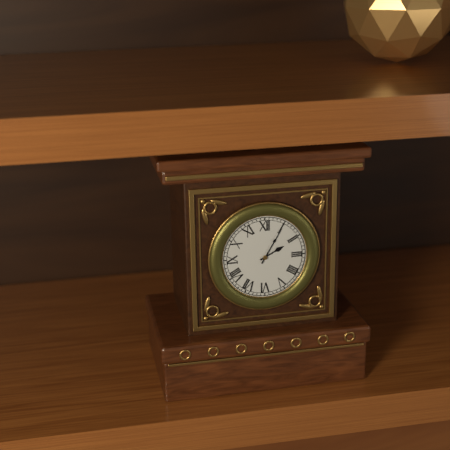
2.05
